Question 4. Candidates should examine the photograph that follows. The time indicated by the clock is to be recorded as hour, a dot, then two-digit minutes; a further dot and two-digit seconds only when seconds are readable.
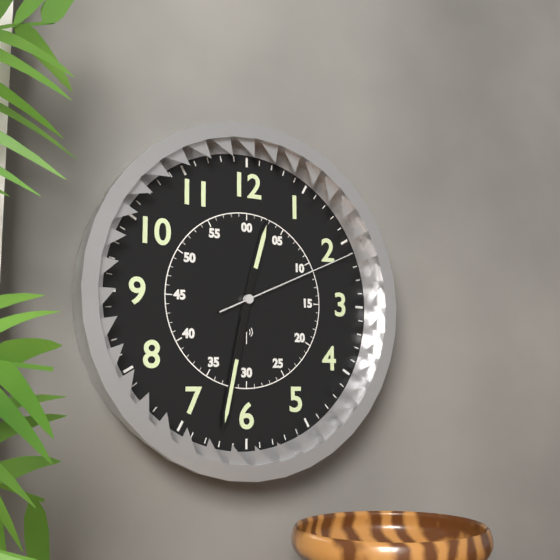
12.32.11
